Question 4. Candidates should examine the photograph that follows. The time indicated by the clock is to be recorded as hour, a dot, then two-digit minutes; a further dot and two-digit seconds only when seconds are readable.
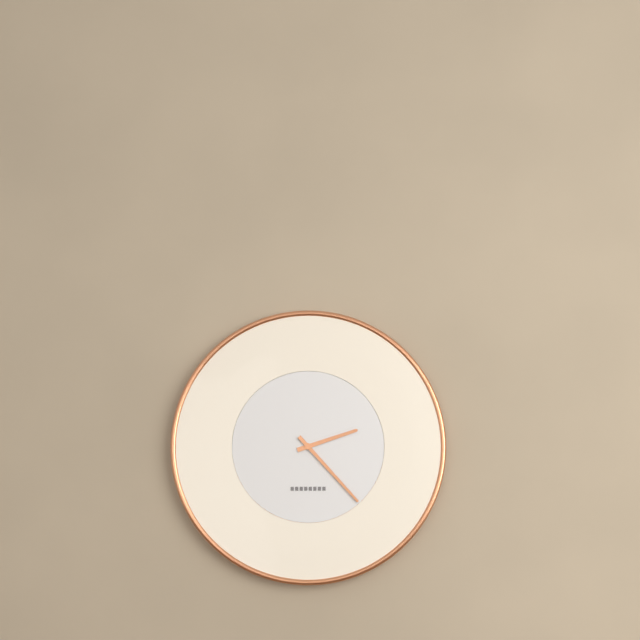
2.23
